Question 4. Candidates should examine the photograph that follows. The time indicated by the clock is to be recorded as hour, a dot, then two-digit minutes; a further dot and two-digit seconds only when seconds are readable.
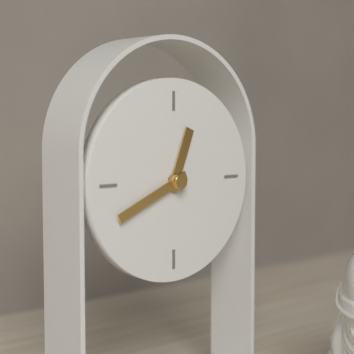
12.41
